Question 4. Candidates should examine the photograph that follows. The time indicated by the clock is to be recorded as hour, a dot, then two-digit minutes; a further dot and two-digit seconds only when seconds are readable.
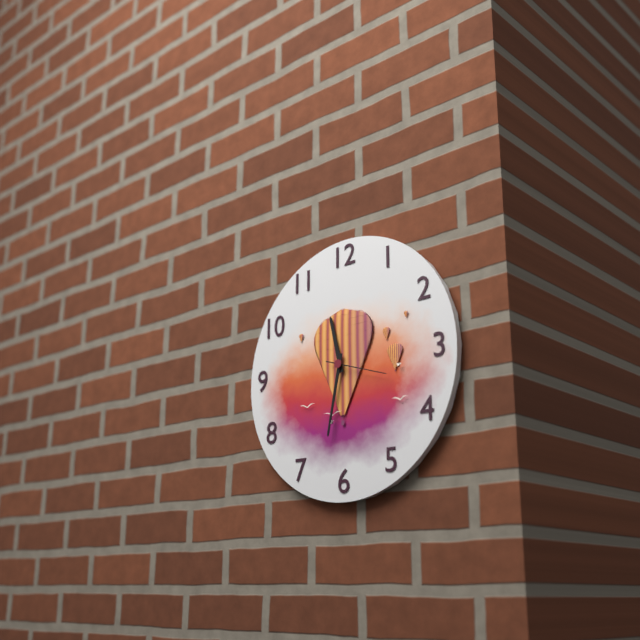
11.32.18
